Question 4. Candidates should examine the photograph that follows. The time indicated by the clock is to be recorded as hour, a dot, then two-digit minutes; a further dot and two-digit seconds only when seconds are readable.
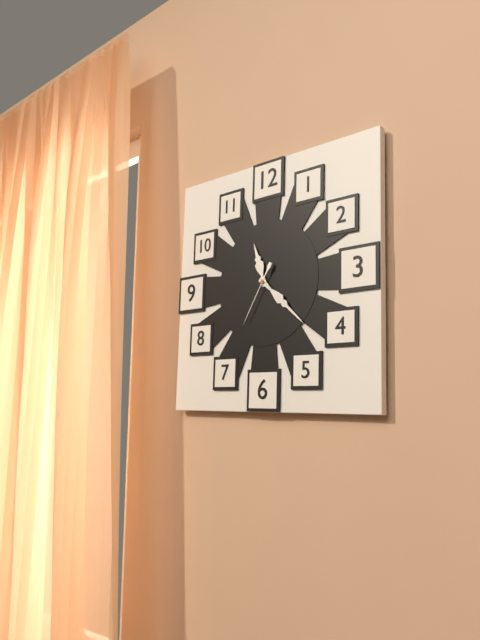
11.22.35
